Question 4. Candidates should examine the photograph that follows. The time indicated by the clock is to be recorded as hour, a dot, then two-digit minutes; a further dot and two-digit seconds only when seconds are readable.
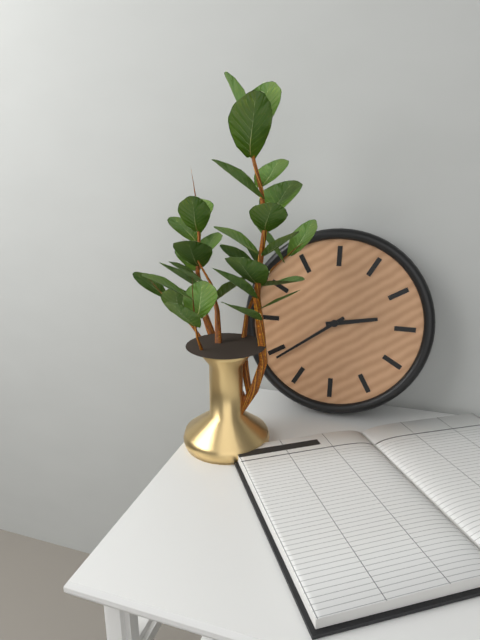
2.39
